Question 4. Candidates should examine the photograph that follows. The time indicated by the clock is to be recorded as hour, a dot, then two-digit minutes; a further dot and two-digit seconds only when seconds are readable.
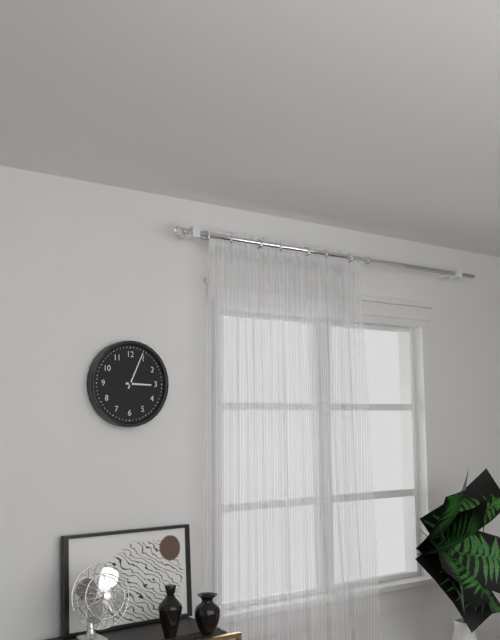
3.04
